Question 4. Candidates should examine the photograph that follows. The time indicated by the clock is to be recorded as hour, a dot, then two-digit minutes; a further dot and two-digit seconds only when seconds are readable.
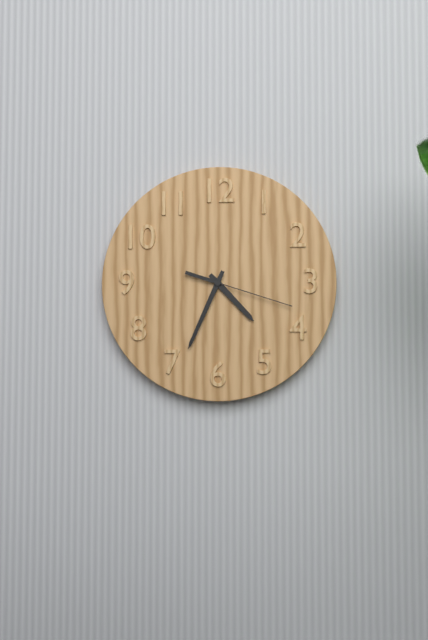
4.34.18
